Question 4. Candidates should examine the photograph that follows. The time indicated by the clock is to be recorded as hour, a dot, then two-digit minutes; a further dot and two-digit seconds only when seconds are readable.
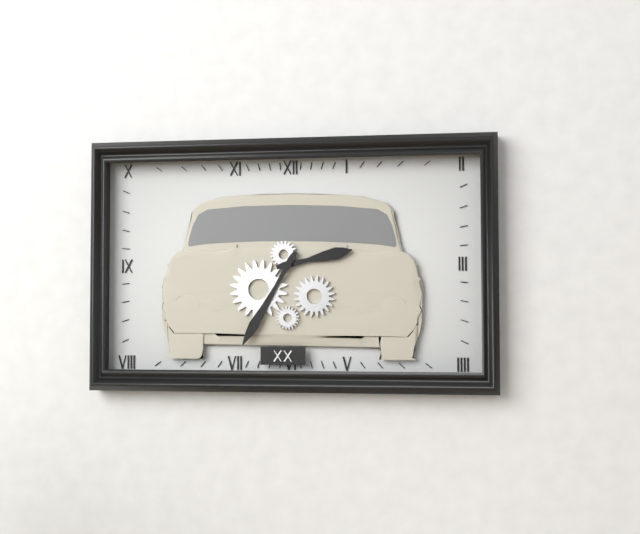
2.35
